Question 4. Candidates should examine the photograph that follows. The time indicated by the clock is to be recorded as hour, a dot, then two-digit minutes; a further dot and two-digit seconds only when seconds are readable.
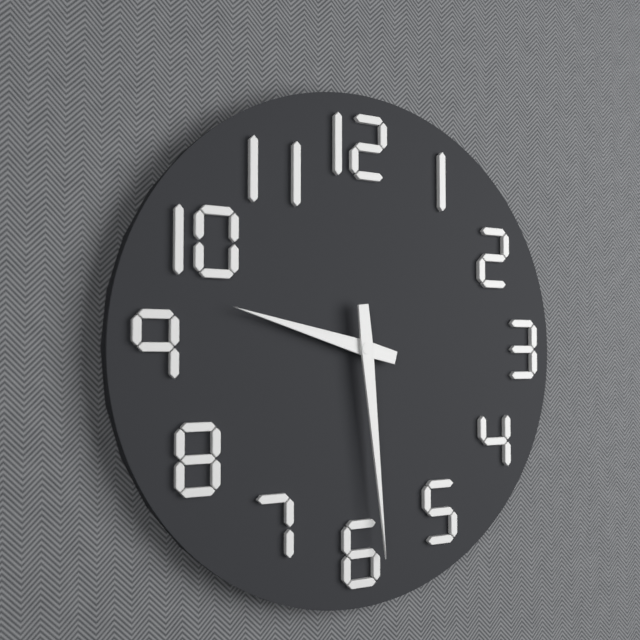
9.29
